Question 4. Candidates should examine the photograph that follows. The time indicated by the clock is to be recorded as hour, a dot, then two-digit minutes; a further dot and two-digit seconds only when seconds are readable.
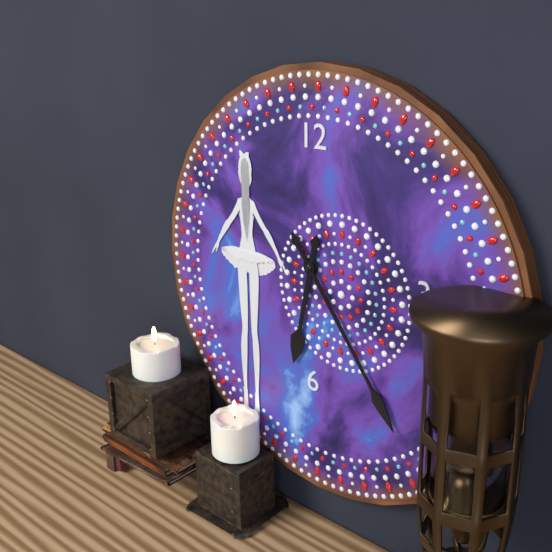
6.24
